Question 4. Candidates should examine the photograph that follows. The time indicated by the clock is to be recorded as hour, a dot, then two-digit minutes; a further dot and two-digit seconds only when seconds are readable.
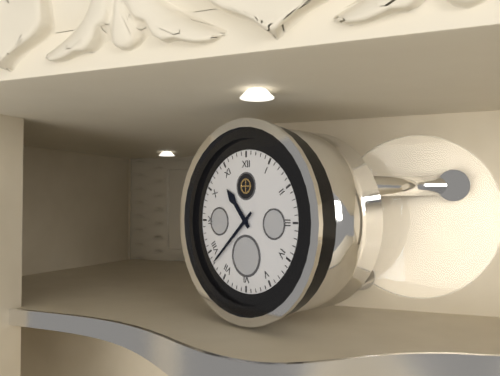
10.38
